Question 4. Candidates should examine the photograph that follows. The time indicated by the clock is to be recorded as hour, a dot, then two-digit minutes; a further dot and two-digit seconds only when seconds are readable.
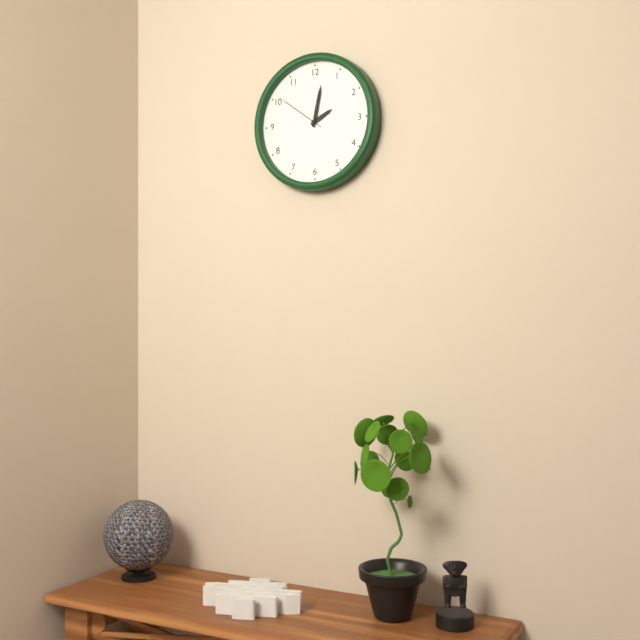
2.02.51
